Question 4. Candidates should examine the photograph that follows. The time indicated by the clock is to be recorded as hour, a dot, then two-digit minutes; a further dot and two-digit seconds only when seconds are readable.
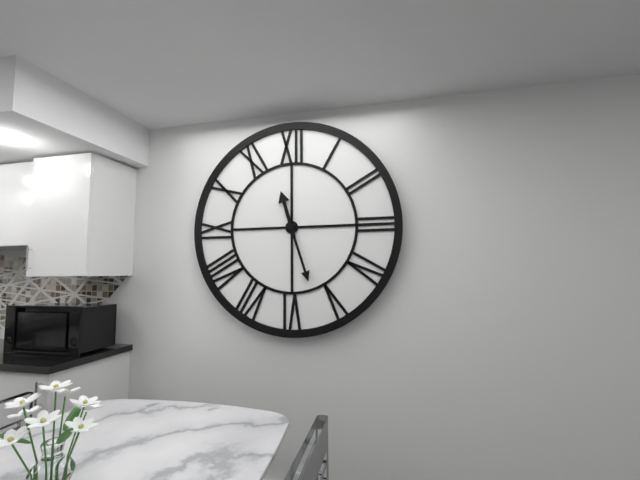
11.27
